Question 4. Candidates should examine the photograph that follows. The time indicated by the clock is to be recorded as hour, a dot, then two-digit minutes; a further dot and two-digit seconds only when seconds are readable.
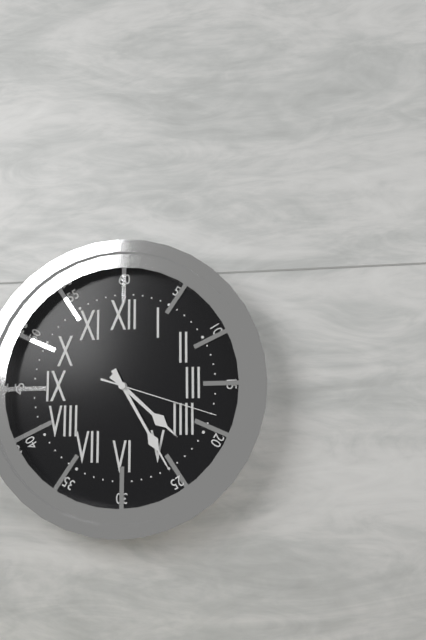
4.25.18
